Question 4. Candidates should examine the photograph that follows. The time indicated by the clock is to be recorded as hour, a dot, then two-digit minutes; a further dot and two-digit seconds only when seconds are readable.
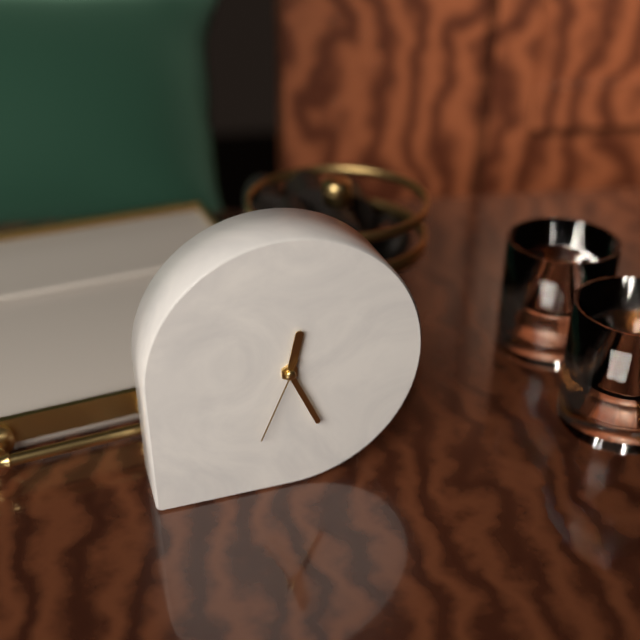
12.26.34
